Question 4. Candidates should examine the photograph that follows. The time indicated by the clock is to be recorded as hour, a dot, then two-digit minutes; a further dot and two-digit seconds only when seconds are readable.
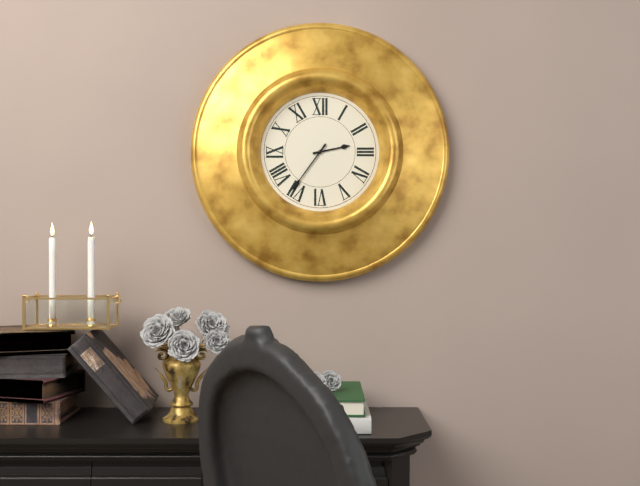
2.36
